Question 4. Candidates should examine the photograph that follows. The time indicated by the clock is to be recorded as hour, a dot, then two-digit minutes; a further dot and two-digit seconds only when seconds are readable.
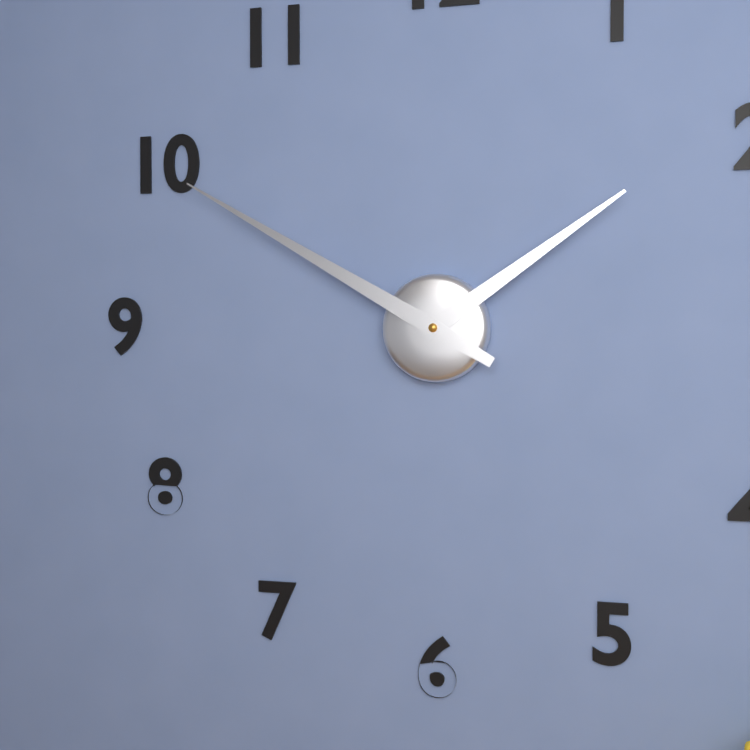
1.50
